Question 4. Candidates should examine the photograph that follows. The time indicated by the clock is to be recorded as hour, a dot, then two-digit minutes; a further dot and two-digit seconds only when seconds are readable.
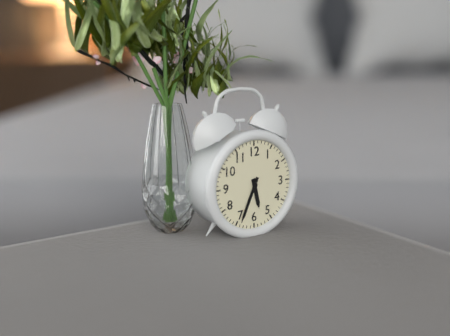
5.34
